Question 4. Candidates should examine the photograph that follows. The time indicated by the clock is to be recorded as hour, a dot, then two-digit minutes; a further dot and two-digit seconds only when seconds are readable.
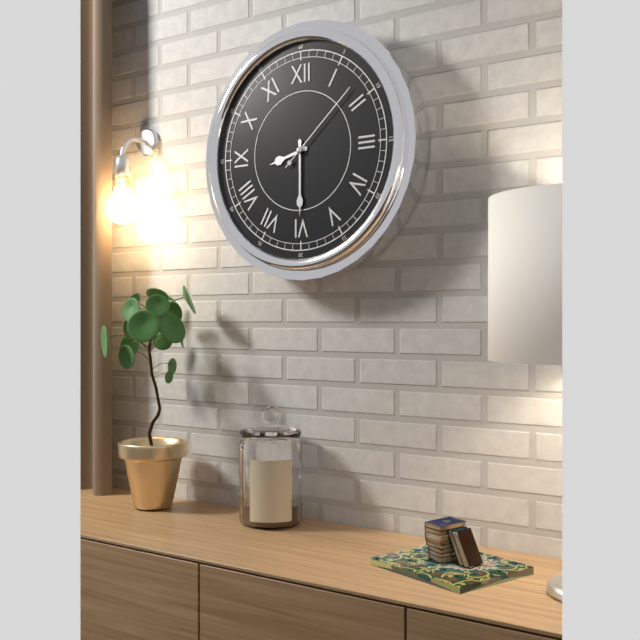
8.30.08
